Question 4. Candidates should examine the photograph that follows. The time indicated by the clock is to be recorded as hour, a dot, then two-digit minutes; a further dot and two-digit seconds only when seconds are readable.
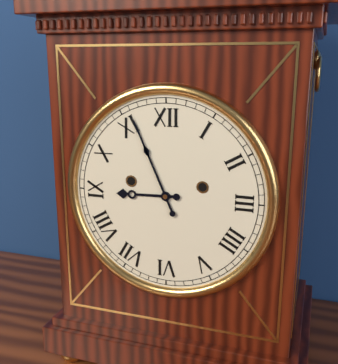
8.56
